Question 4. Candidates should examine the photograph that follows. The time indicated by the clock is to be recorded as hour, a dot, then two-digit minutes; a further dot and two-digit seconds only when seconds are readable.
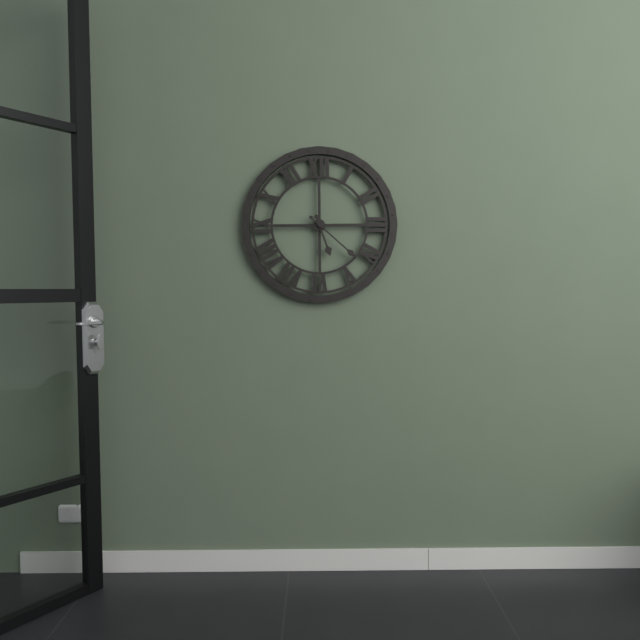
5.22
